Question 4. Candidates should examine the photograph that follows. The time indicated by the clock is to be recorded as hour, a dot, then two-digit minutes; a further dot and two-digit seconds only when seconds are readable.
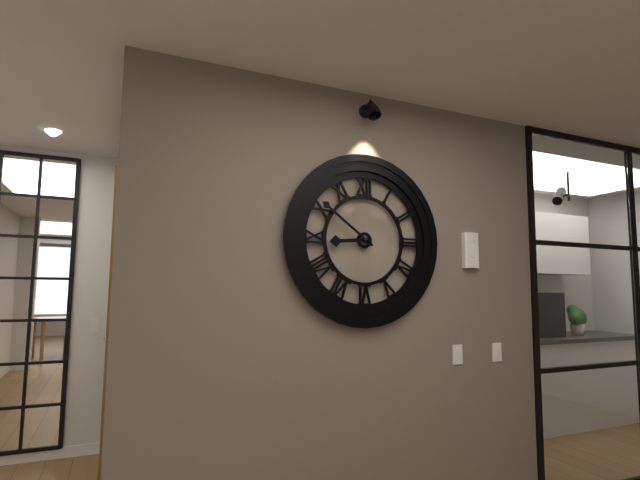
8.51
